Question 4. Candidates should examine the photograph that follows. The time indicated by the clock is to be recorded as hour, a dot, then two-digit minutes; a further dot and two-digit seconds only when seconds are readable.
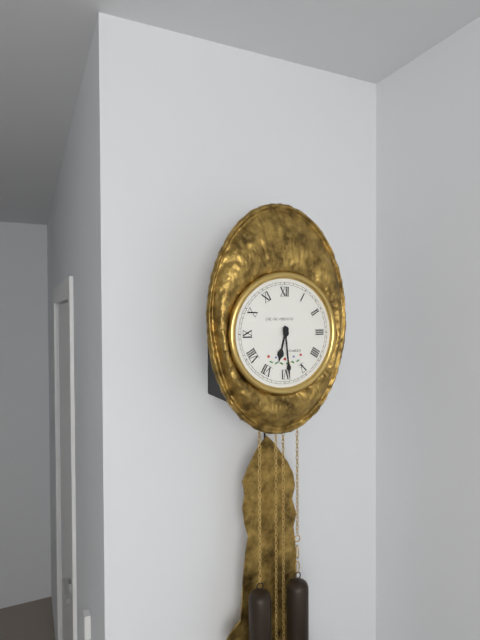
6.29
